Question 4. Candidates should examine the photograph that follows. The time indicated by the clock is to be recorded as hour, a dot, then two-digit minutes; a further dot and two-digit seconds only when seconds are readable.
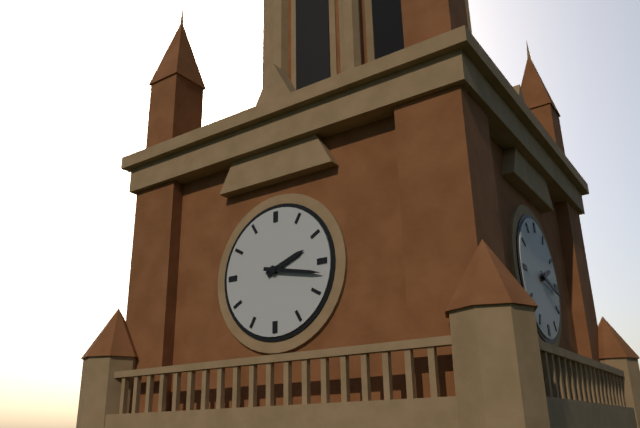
2.17
